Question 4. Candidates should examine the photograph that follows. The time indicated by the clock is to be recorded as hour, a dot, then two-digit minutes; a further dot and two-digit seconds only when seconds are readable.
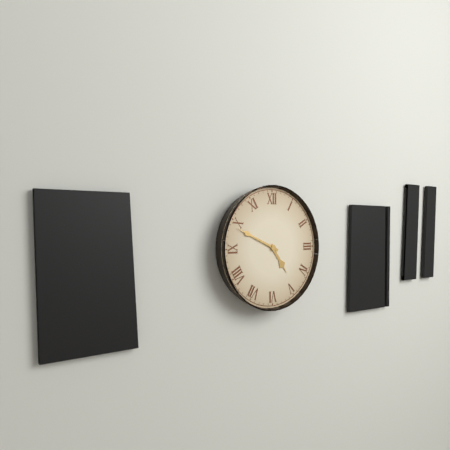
4.49
